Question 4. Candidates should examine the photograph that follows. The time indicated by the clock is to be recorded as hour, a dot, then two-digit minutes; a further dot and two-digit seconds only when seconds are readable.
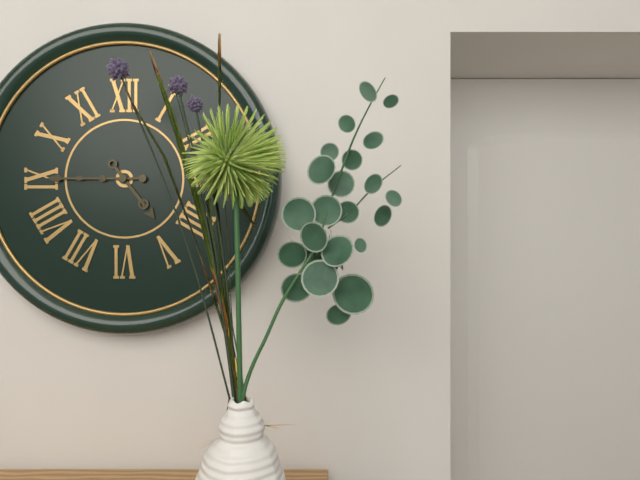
4.45
